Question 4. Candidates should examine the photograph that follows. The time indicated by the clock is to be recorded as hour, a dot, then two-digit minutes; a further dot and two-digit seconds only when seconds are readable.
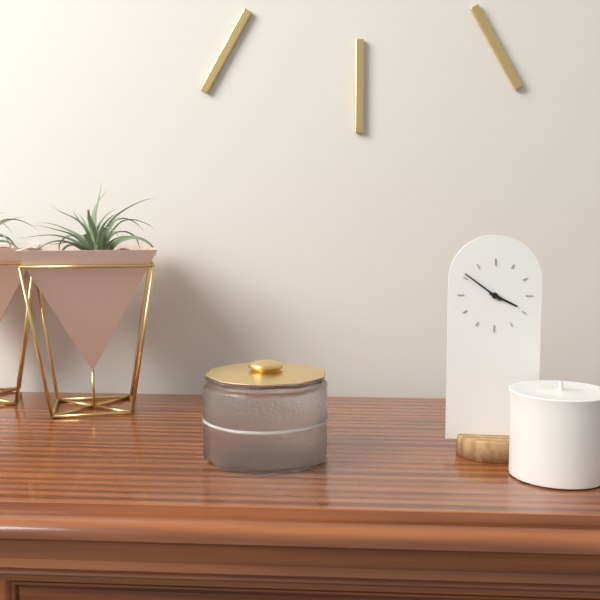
3.51
